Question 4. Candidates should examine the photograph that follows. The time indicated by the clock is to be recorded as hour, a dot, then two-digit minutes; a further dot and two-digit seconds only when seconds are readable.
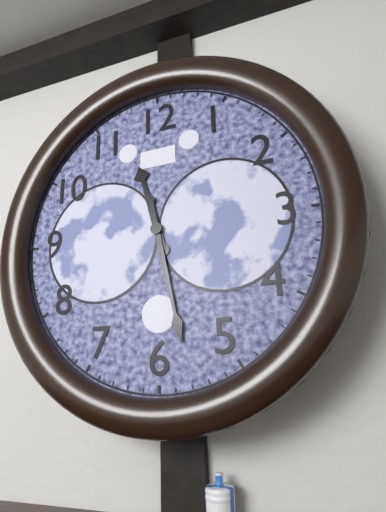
11.28
